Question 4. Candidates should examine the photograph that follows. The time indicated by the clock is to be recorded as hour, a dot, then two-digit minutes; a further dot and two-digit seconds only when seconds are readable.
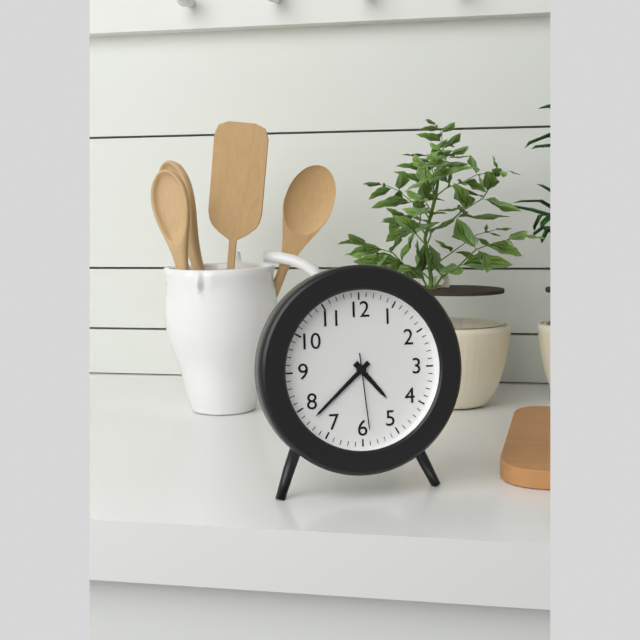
4.38.29
